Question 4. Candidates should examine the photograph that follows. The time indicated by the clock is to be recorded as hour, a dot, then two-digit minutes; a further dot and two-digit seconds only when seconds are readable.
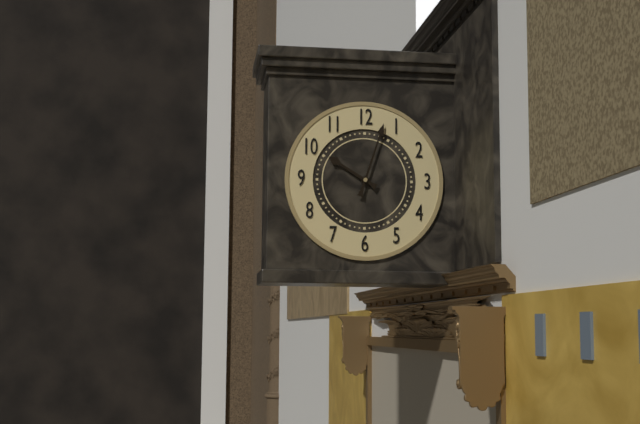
10.03
